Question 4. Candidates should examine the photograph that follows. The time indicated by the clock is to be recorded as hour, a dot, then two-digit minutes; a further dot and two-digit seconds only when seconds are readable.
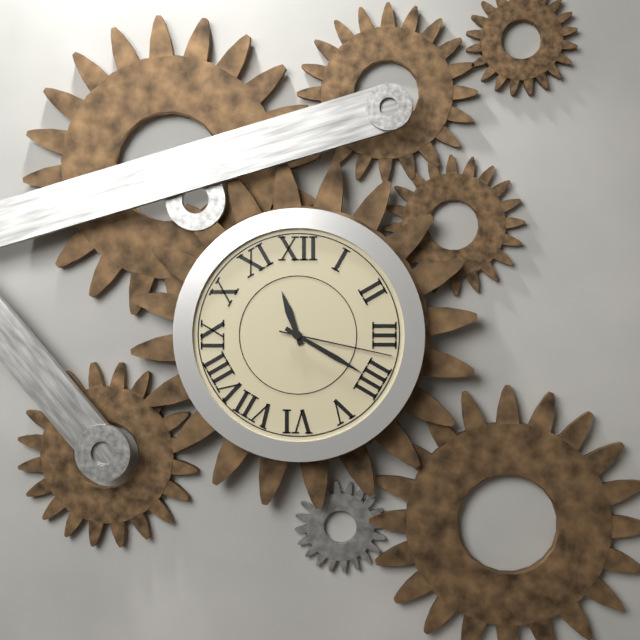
11.20.17
